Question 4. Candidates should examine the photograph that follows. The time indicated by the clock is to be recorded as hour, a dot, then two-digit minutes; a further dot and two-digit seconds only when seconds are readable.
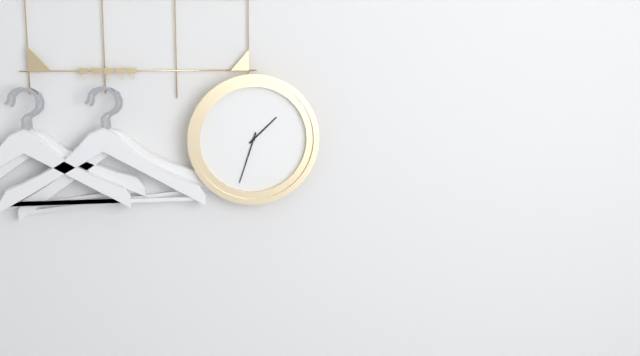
1.33
